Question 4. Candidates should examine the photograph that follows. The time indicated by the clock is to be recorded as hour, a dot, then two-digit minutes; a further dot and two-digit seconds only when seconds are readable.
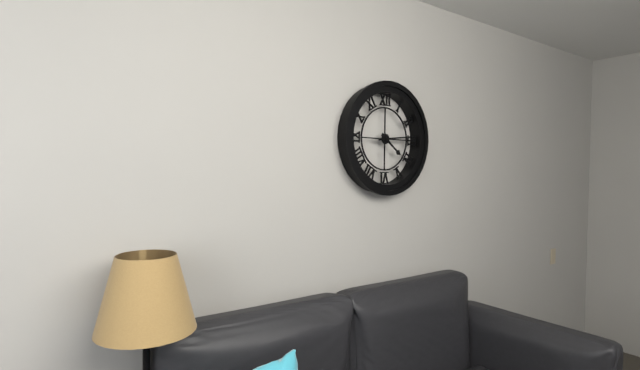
4.14
